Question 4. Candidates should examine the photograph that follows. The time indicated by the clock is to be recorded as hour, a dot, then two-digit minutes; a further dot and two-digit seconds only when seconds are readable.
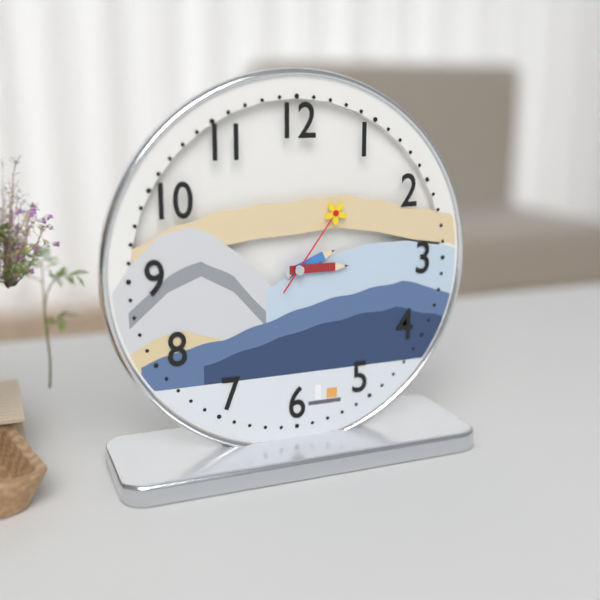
2.15.06
